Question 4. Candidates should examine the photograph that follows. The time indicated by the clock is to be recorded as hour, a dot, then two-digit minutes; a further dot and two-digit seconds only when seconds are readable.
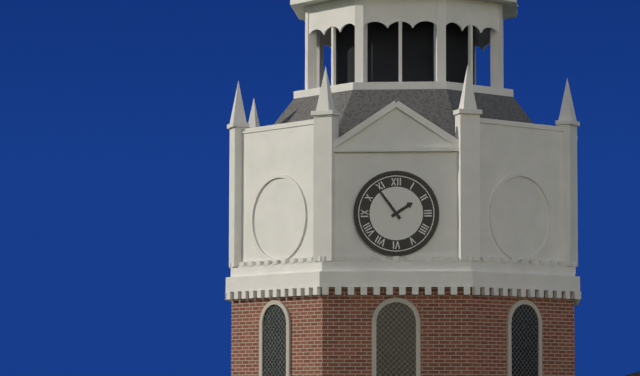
1.54
